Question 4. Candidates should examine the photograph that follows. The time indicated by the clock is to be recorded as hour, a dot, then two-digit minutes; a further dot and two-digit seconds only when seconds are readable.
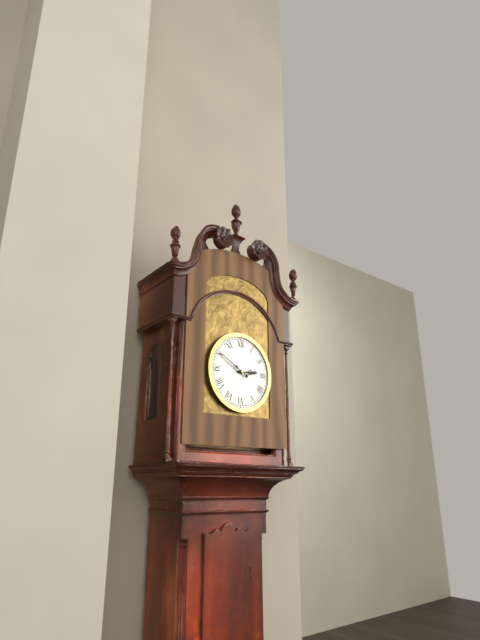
2.50
